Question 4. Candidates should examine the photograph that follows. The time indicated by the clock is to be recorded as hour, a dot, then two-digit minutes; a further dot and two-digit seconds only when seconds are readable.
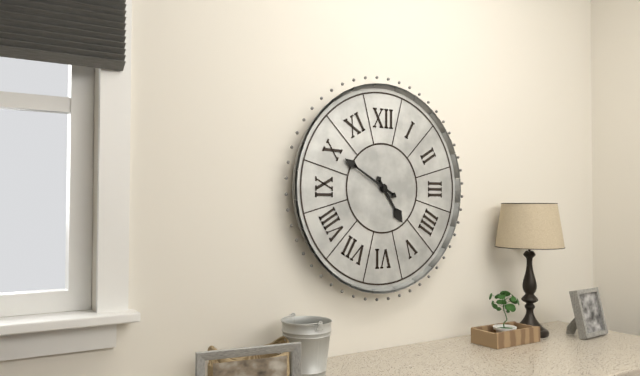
4.50
